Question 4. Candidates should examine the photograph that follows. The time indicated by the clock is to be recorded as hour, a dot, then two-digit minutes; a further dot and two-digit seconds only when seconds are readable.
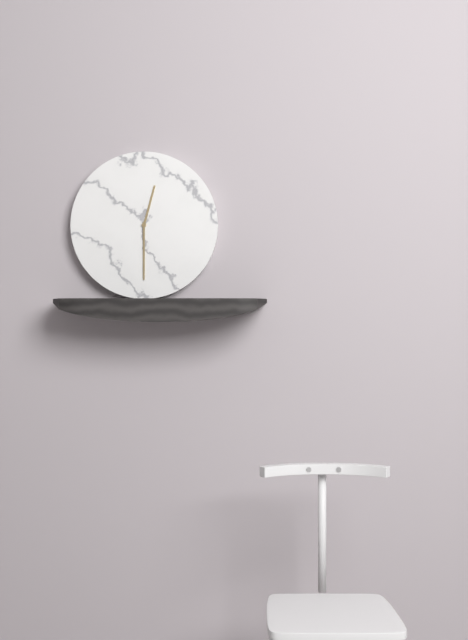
12.30
